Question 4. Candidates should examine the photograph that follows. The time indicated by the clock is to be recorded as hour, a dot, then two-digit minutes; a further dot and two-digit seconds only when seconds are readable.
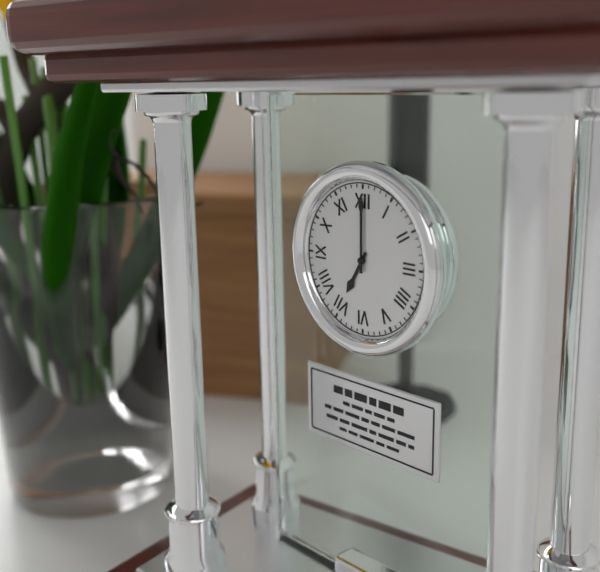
7.00
